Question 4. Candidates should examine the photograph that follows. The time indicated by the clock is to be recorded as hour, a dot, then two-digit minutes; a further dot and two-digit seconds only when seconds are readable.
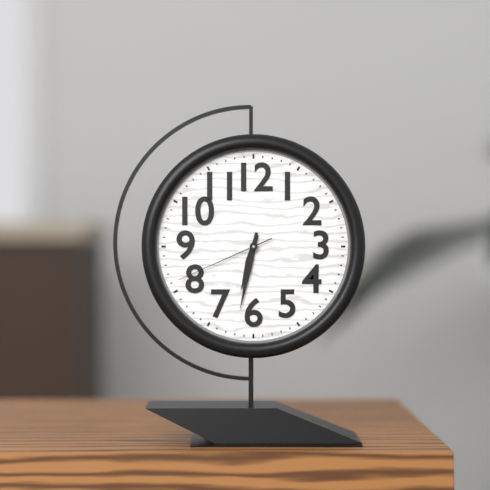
6.32.41
